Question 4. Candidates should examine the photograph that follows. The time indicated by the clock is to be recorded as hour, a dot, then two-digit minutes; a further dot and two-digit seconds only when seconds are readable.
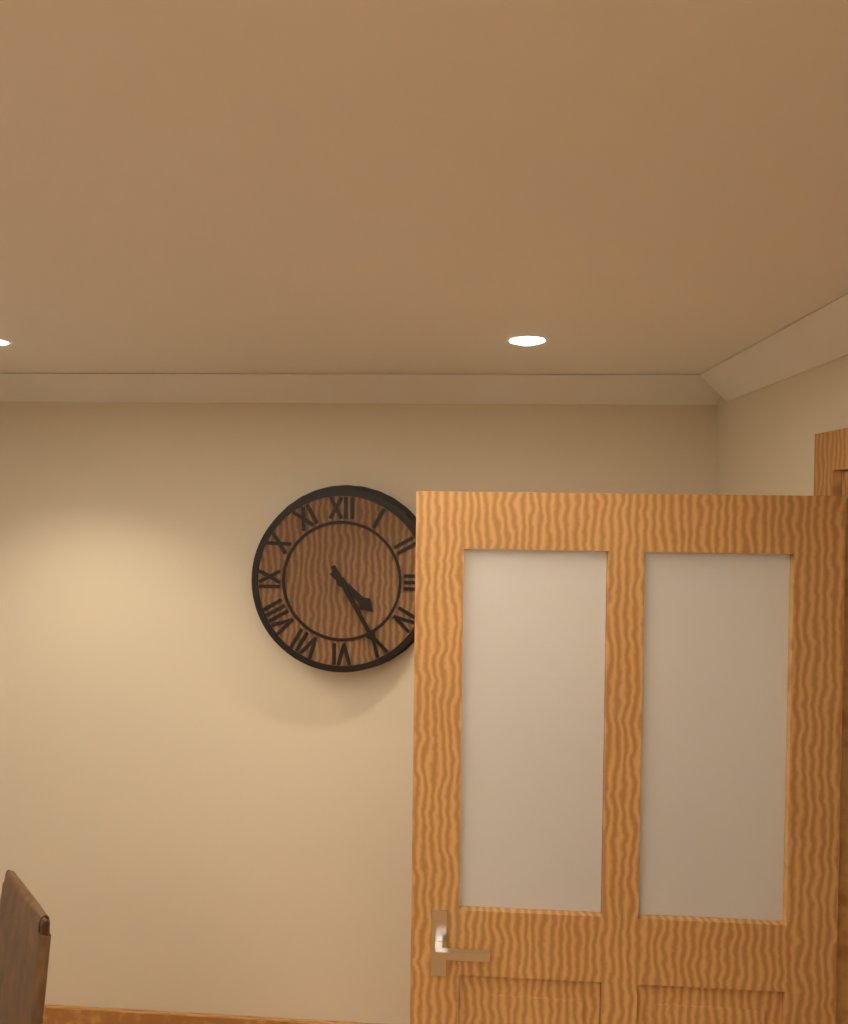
4.25
